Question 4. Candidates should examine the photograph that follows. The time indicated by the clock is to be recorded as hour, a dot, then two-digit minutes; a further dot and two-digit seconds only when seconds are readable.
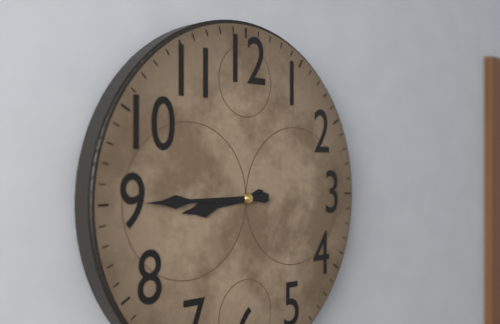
8.45
